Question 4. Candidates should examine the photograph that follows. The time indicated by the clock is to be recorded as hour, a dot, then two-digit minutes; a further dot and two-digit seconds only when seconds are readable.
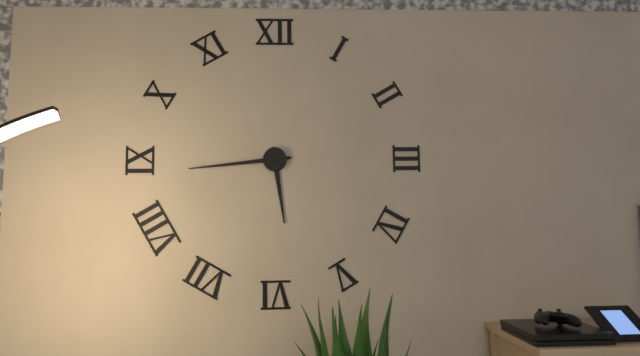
5.44
